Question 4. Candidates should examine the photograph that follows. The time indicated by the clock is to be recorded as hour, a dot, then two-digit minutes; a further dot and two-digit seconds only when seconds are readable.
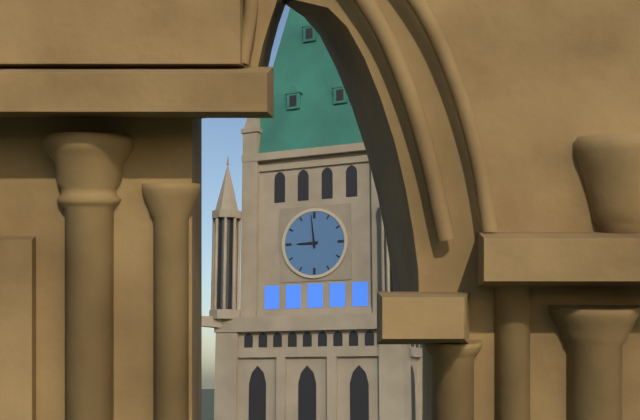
8.59
